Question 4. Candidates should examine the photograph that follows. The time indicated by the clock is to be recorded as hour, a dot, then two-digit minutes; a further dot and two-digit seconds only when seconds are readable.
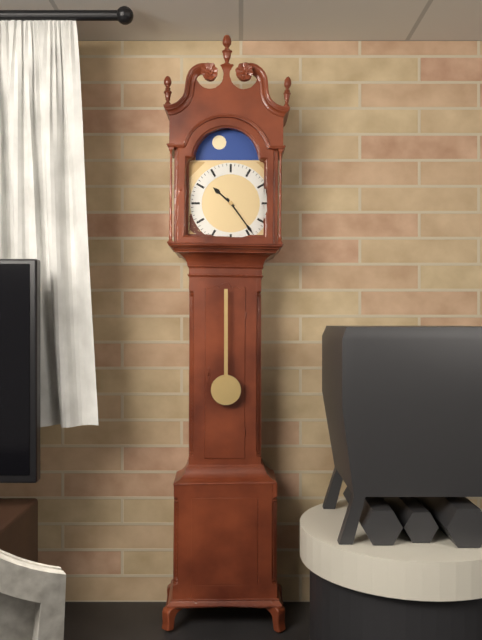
10.24
